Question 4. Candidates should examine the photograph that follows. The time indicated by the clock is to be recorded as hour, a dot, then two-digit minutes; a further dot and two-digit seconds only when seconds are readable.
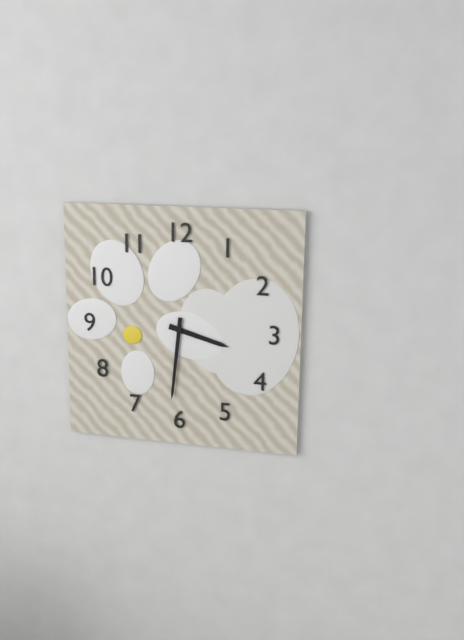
3.31
